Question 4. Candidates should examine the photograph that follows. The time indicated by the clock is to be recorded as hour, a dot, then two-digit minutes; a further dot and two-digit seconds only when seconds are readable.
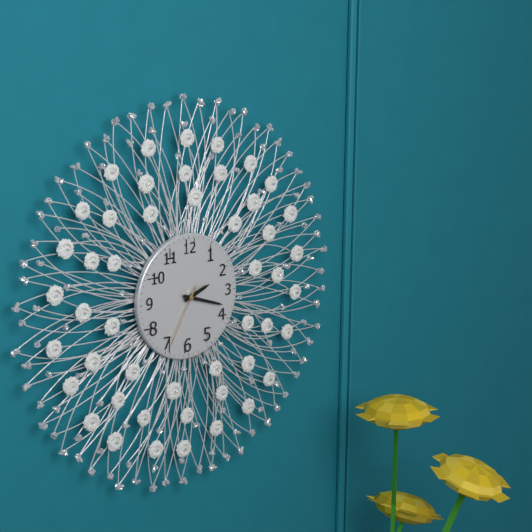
2.18.35
